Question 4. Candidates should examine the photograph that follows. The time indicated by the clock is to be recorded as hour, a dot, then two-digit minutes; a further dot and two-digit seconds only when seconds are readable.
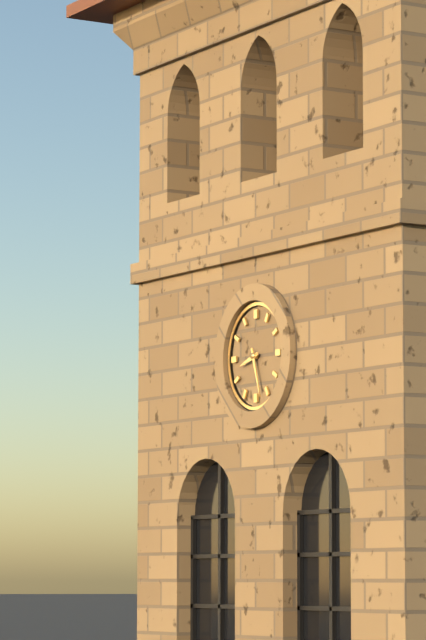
8.27
